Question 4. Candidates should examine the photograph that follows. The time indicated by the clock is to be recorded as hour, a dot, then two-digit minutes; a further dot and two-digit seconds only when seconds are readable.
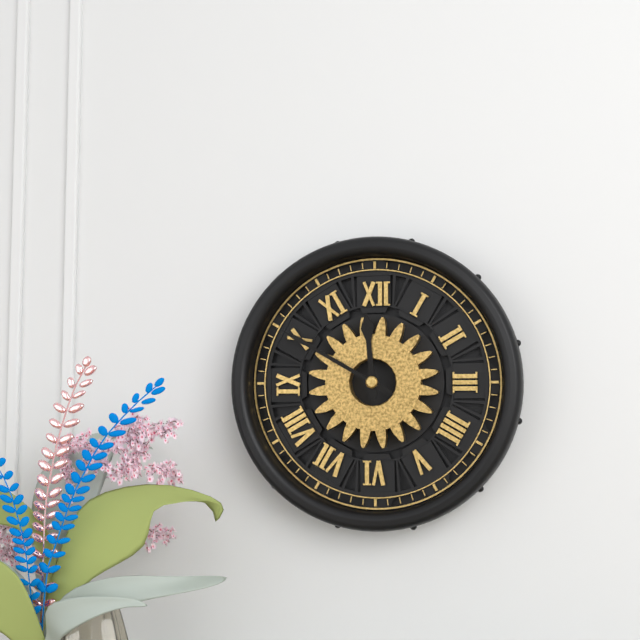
11.50
